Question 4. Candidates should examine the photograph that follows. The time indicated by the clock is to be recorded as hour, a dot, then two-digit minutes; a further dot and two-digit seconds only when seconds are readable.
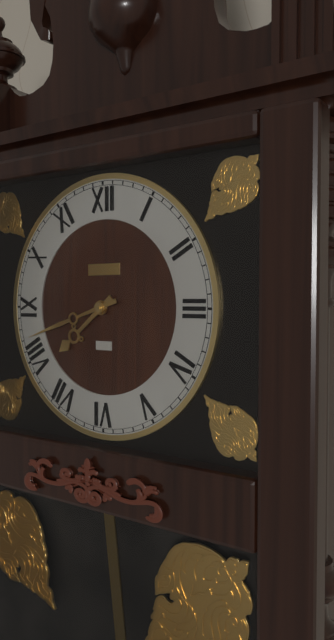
7.42
